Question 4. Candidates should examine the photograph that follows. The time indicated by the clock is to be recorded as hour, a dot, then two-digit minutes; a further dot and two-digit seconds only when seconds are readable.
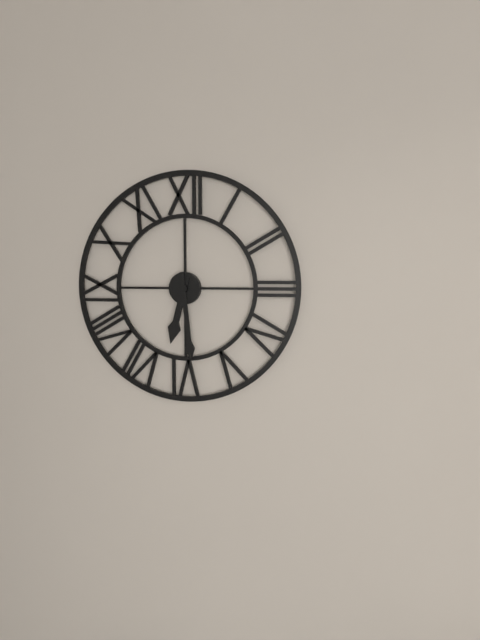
6.29
